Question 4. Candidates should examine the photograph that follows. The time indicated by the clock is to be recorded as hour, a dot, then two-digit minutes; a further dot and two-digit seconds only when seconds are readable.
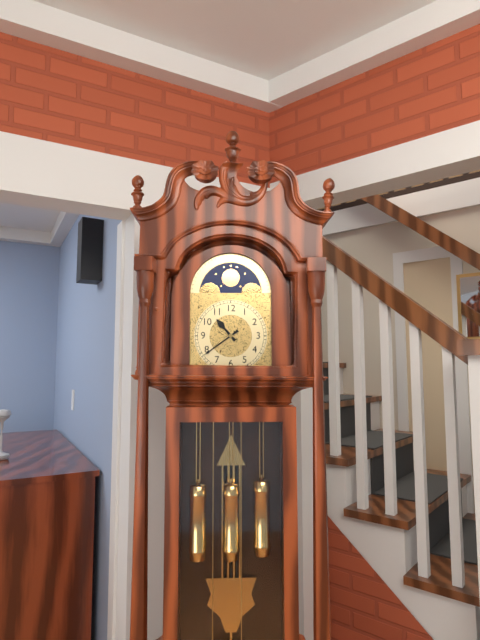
10.39
